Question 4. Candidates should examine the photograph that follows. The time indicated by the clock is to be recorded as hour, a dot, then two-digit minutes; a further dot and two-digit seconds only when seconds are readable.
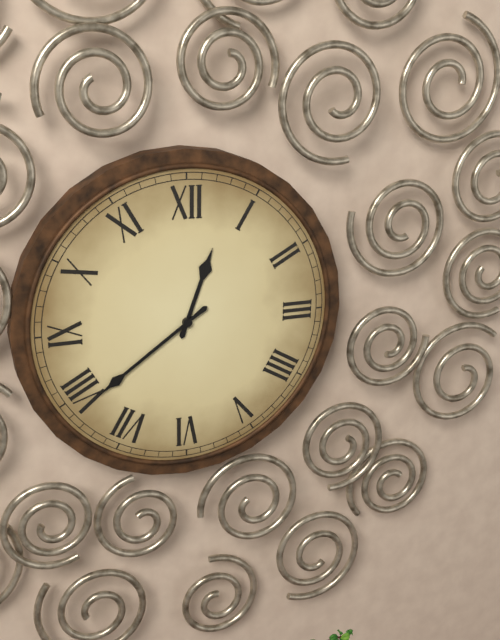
12.39
